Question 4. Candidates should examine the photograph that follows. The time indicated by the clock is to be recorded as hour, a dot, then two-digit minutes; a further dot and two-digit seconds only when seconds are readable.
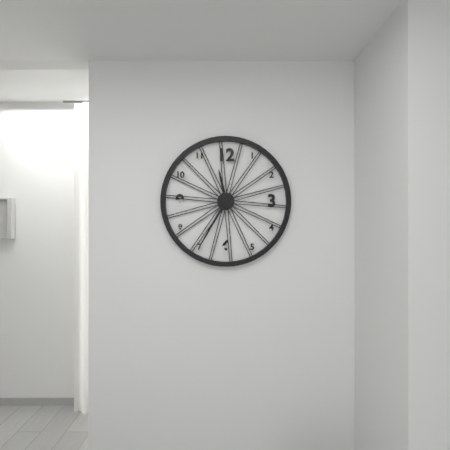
11.35
